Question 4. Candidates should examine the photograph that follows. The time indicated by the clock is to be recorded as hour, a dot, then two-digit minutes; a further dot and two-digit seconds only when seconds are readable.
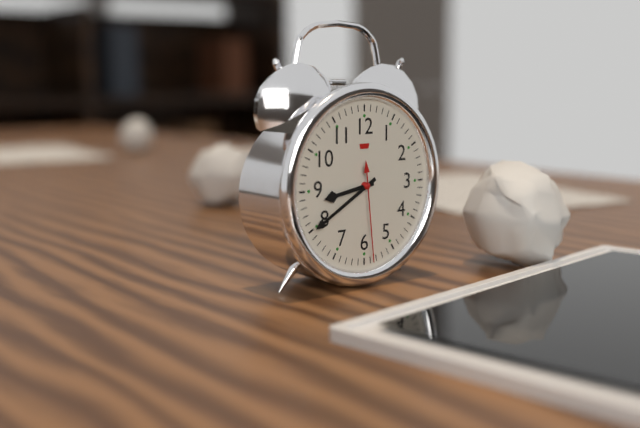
8.40.29
